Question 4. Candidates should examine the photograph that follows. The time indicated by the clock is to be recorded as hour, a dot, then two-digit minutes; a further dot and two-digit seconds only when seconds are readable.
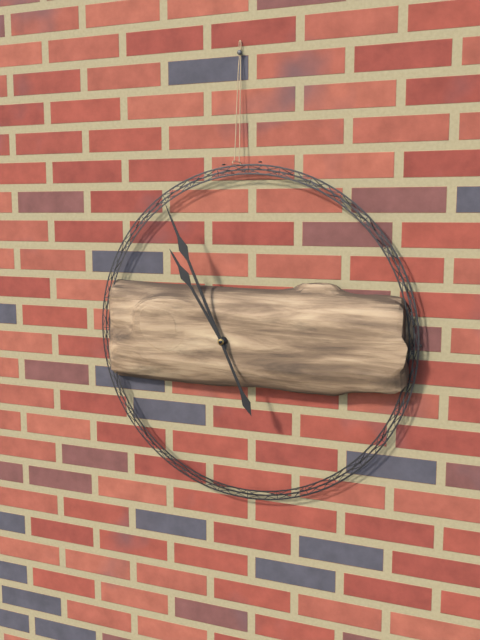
10.56
